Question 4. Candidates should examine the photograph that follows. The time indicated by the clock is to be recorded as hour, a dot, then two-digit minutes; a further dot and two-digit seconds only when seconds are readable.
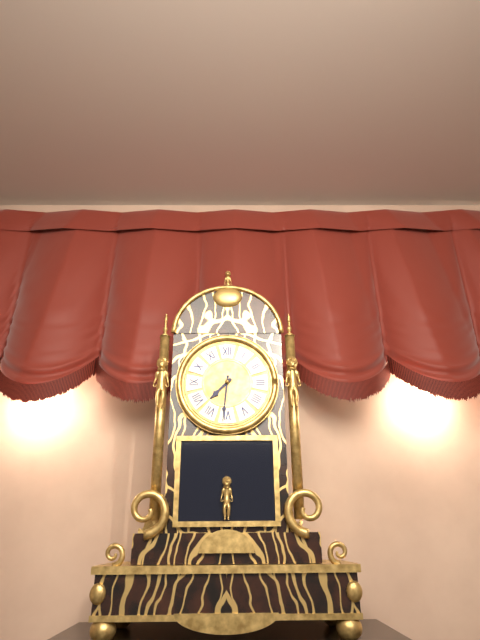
7.31
